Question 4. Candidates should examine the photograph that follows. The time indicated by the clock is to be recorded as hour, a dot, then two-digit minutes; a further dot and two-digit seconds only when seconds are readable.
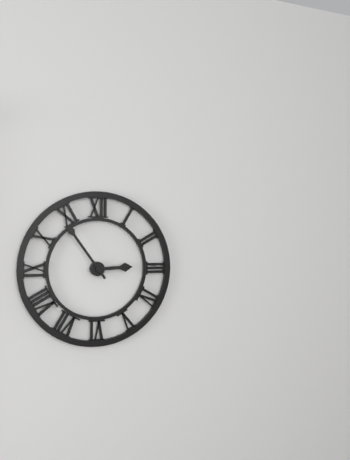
2.54
